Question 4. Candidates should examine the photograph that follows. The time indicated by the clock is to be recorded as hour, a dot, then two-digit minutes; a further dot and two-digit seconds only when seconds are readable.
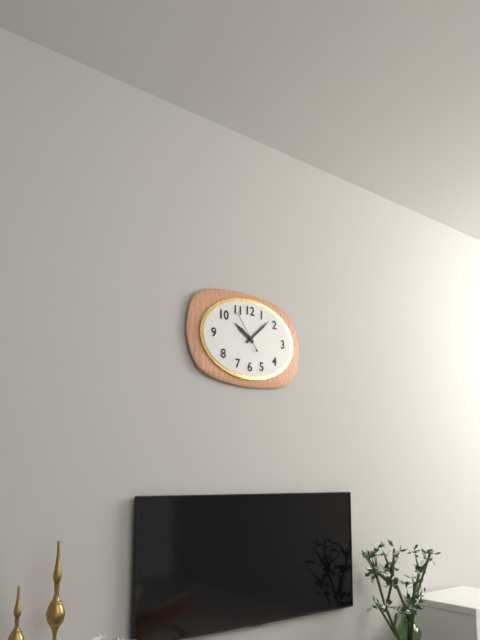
10.08
